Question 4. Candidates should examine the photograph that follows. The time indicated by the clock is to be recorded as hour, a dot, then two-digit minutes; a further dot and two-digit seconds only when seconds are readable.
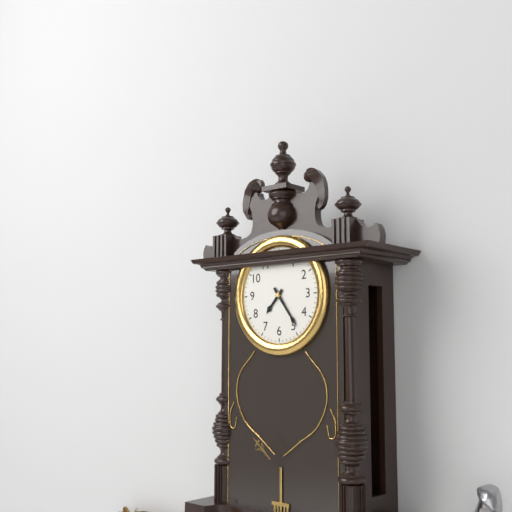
7.24
